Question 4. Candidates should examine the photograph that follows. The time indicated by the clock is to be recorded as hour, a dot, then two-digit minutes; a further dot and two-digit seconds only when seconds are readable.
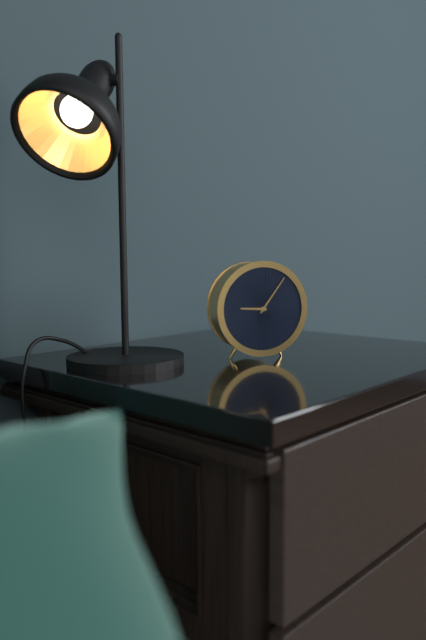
9.06
